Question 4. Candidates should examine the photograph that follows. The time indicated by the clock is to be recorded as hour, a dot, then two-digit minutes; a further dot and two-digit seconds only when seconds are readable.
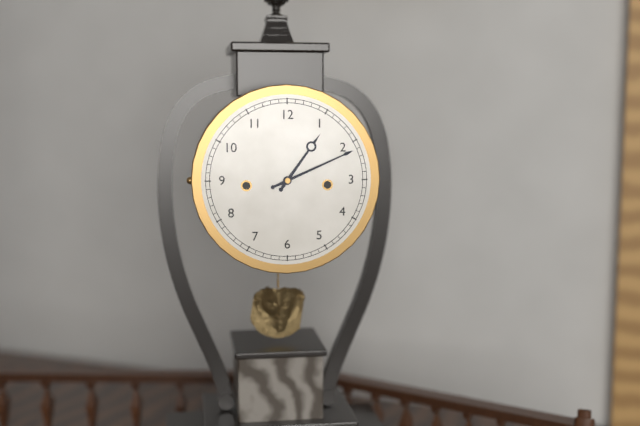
1.11
